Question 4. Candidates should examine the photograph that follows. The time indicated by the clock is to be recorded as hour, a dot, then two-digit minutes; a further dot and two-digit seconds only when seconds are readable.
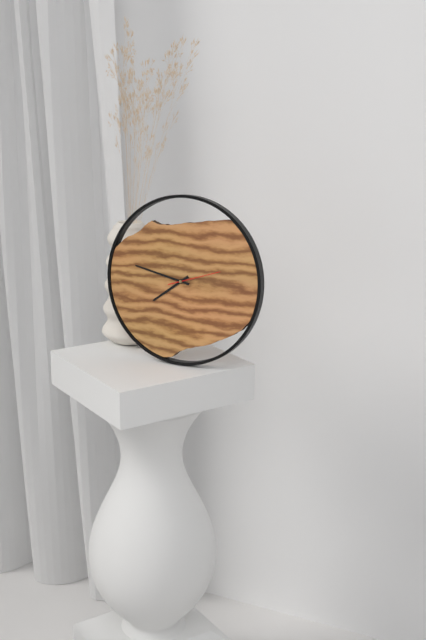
7.47
